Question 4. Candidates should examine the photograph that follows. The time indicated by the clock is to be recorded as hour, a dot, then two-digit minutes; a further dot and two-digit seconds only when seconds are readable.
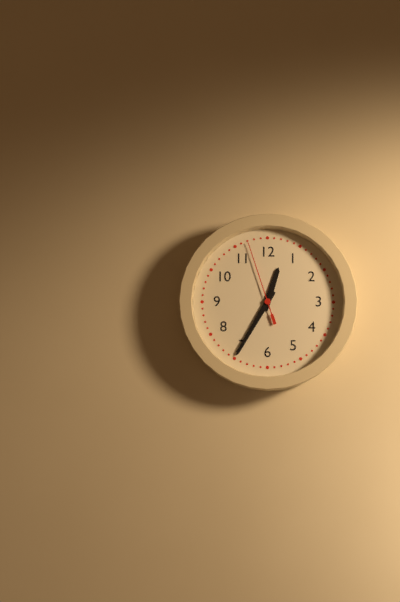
12.35.57
